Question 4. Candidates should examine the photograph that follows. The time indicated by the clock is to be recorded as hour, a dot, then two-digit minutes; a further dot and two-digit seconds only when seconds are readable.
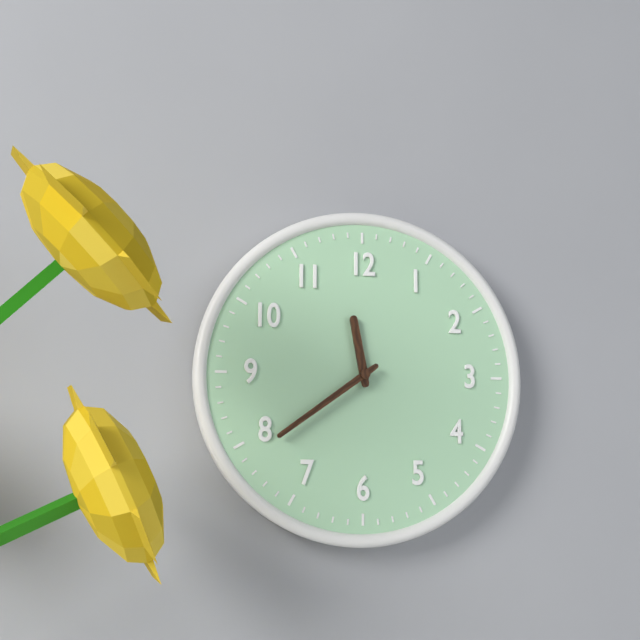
11.39
